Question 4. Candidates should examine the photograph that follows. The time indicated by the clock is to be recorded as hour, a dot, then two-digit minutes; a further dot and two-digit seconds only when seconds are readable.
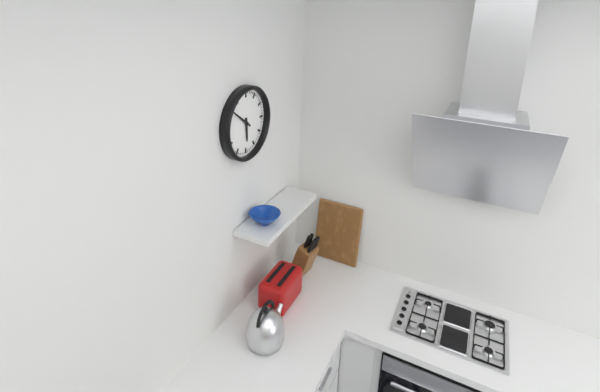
5.51
